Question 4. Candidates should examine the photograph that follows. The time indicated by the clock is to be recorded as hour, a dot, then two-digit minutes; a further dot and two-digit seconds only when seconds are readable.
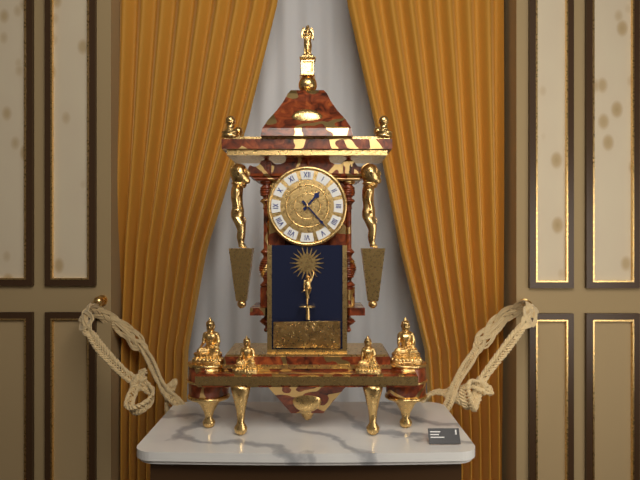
1.23
